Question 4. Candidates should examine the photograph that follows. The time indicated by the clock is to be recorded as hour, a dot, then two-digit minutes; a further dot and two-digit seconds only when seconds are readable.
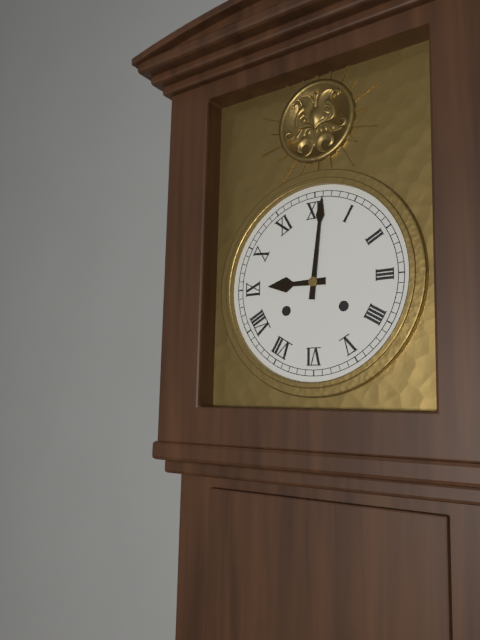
9.01
